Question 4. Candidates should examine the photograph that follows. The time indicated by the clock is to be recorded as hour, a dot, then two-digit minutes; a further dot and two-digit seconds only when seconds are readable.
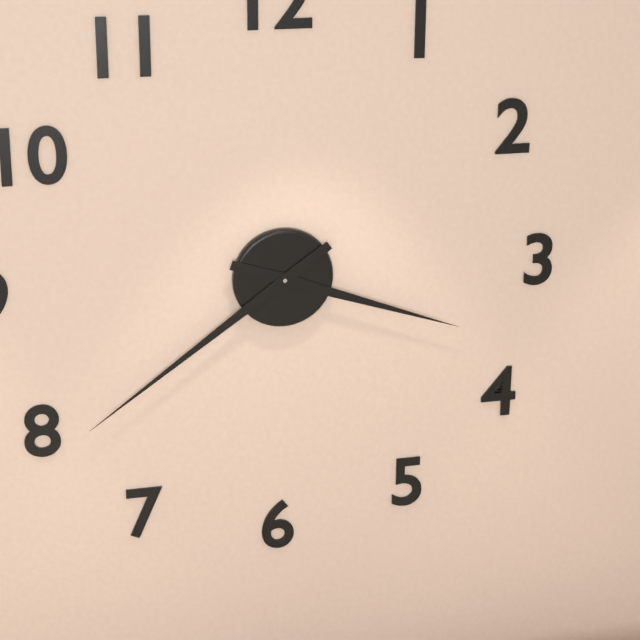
3.39
